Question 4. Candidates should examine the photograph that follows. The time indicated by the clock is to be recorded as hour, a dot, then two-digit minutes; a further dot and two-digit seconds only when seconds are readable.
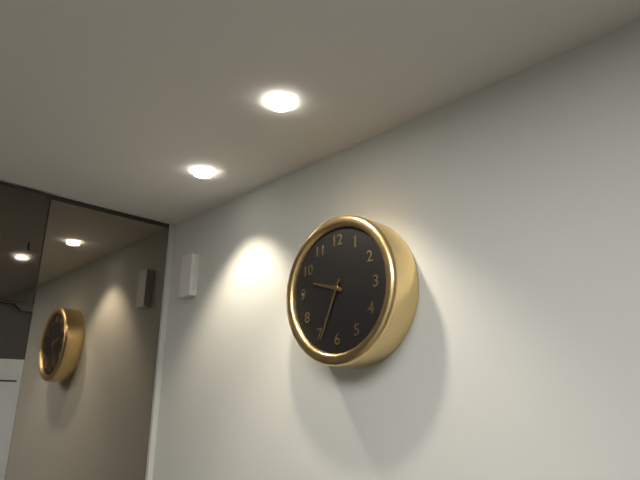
9.34
